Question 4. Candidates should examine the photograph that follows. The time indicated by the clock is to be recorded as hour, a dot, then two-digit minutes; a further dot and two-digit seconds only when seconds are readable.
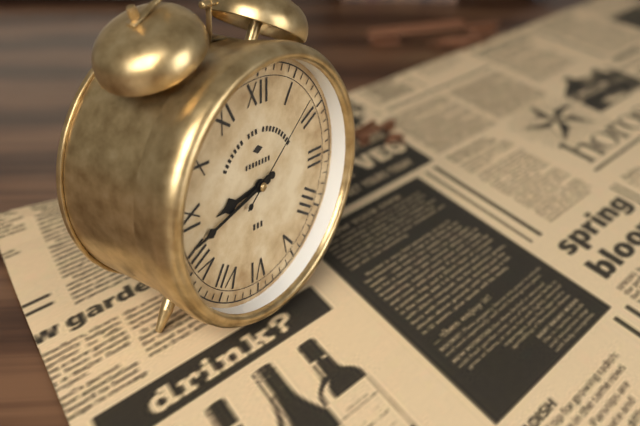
8.42.08
